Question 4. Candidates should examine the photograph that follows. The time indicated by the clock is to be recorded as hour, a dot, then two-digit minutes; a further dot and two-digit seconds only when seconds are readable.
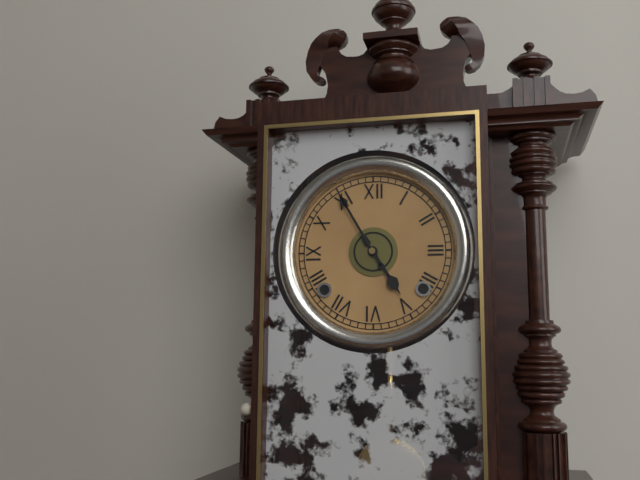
4.55
